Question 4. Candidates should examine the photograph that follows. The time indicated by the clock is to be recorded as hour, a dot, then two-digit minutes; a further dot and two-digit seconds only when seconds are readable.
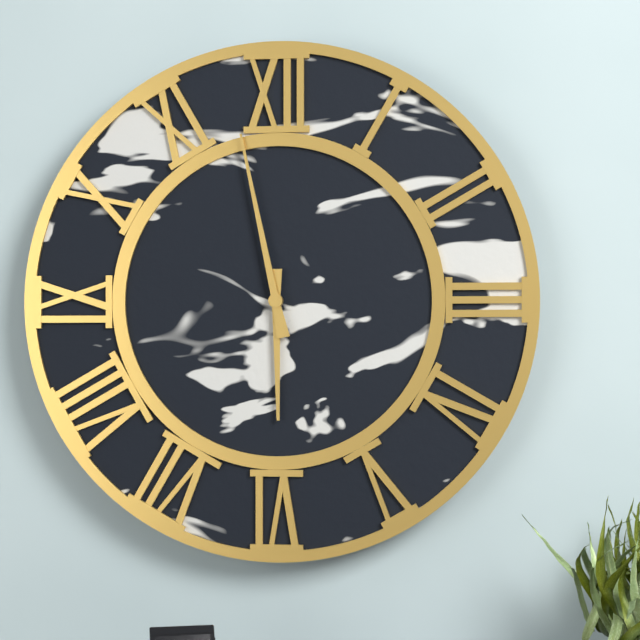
5.58
